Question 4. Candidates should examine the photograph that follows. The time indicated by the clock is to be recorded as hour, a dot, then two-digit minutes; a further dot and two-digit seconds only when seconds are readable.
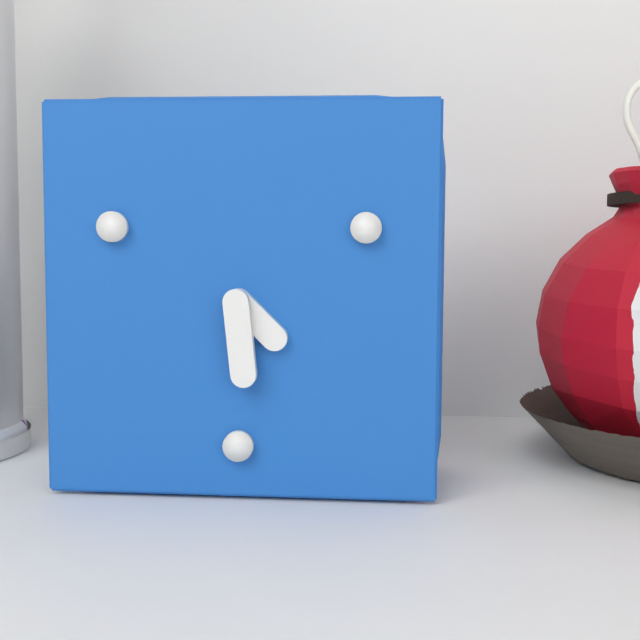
4.29
